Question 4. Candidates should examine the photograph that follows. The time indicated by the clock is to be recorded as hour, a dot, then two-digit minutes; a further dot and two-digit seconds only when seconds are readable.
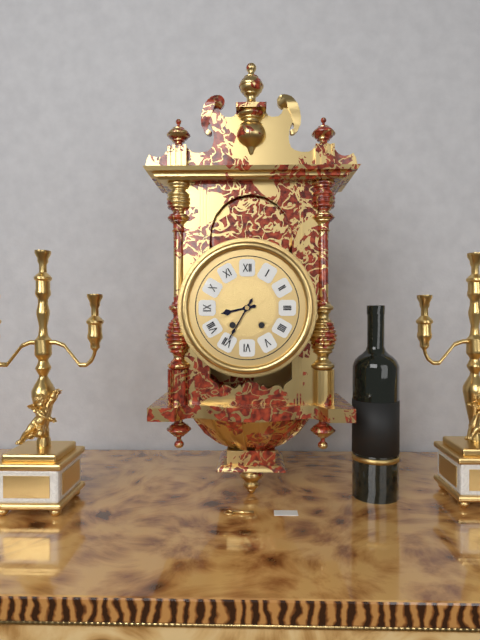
8.35
